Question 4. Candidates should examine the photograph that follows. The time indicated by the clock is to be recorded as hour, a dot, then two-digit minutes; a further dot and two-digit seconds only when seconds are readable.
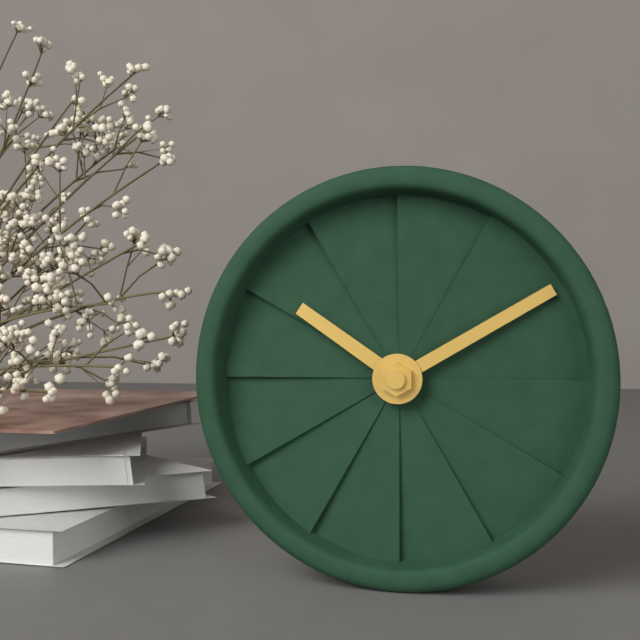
10.10
